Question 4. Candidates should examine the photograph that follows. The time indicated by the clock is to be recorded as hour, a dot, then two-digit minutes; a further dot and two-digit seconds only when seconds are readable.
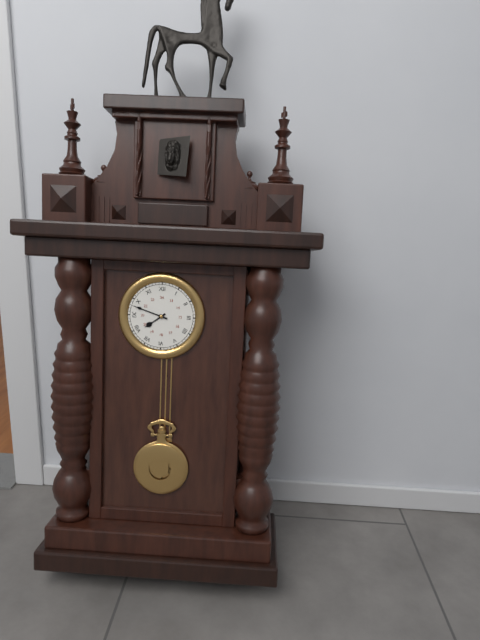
7.48
